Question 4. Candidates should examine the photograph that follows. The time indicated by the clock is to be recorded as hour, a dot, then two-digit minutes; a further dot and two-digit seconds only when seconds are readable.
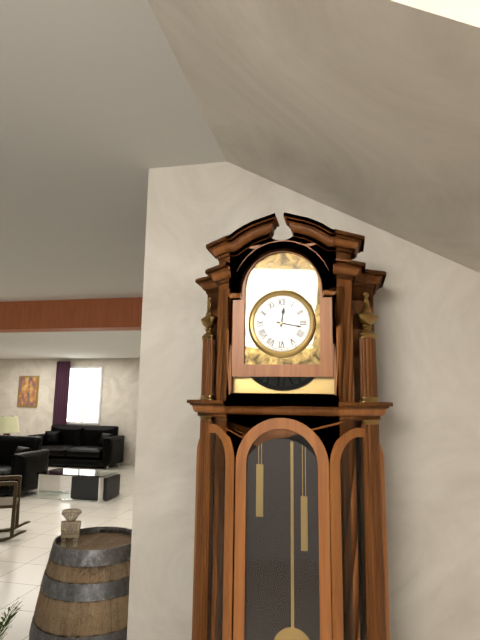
12.17
